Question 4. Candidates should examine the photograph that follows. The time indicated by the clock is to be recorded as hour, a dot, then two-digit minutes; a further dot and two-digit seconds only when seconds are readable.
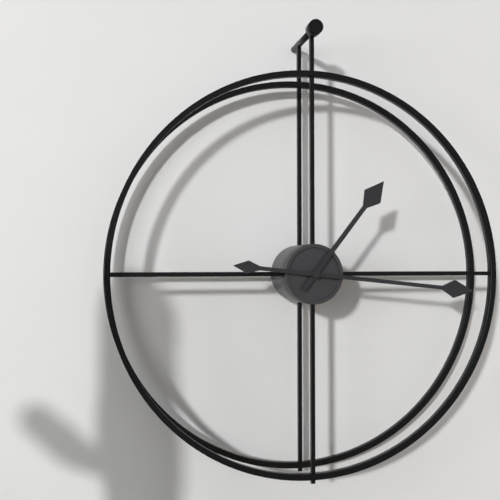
1.16
